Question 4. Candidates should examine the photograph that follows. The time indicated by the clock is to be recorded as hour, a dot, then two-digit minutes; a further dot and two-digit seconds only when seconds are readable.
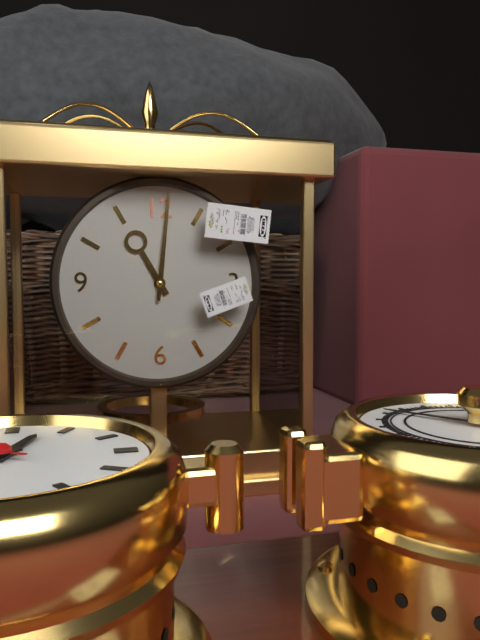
11.01
